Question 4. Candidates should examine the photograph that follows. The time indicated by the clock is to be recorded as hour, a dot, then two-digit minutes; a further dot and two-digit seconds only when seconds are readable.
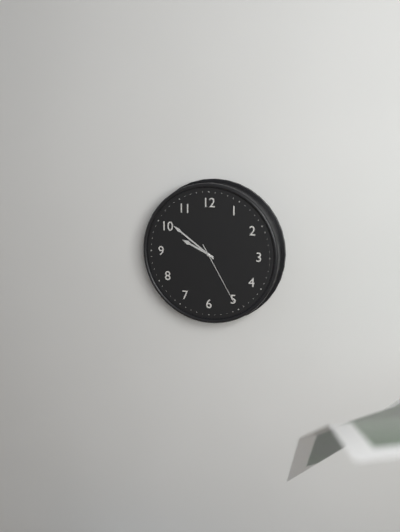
9.51.25
